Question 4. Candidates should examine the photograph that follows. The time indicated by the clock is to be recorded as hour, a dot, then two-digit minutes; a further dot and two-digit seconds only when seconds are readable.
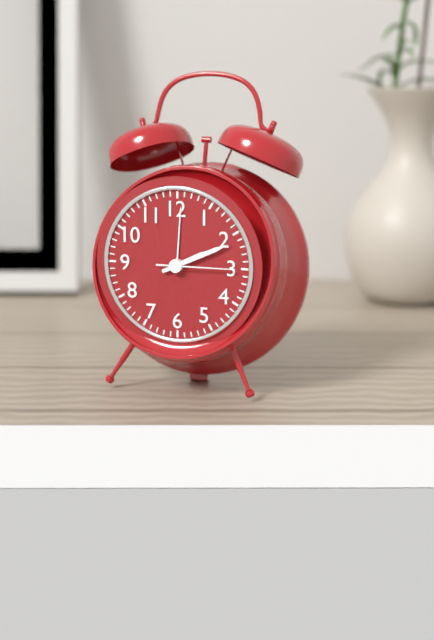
2.11.15
